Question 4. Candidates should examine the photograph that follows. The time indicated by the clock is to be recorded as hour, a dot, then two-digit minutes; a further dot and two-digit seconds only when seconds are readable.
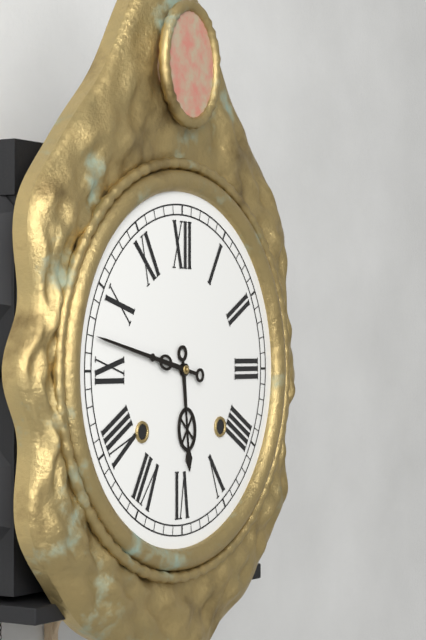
5.47
